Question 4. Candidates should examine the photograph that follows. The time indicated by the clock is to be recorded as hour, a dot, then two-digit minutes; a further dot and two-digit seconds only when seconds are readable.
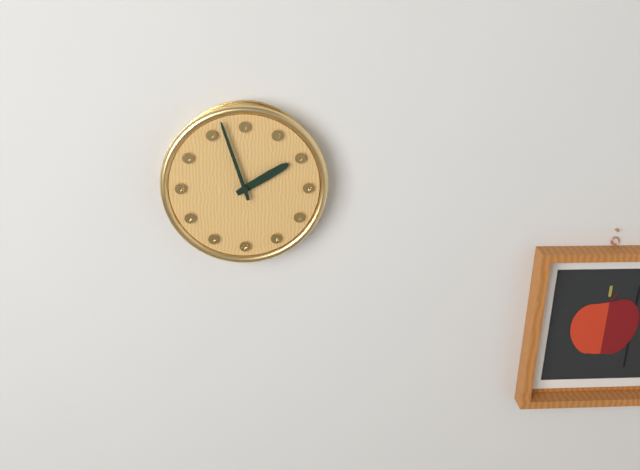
1.57
